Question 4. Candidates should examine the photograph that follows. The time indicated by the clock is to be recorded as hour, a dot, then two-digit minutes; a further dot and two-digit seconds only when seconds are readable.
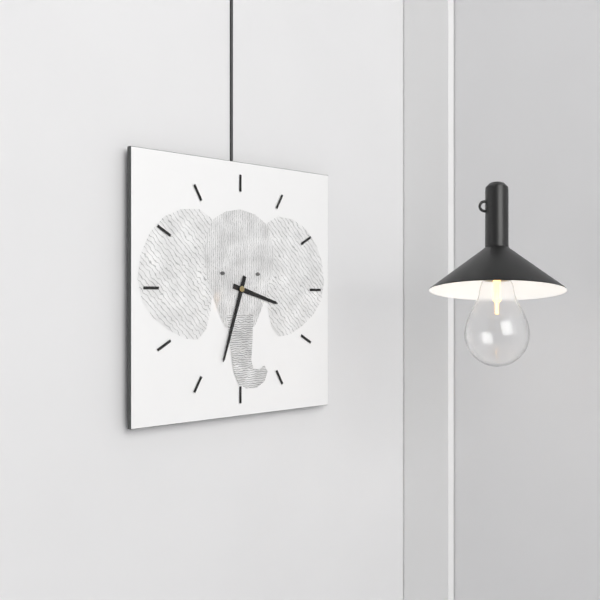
3.33
